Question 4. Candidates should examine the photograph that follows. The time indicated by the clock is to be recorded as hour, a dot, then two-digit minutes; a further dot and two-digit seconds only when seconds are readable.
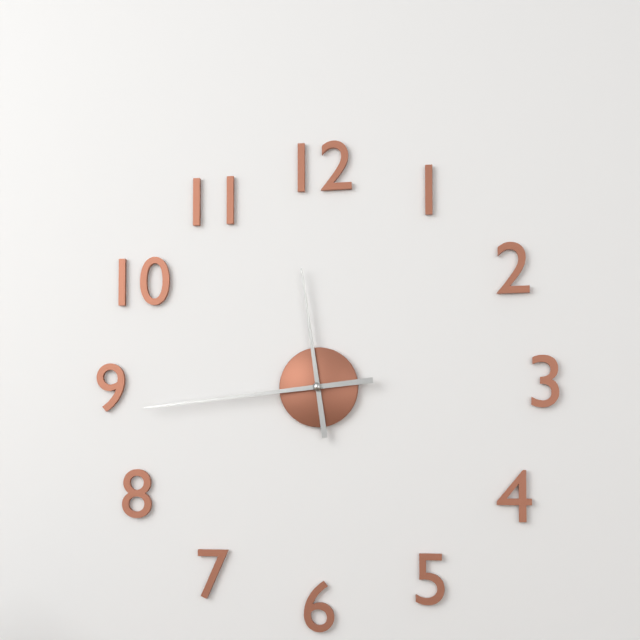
11.44
